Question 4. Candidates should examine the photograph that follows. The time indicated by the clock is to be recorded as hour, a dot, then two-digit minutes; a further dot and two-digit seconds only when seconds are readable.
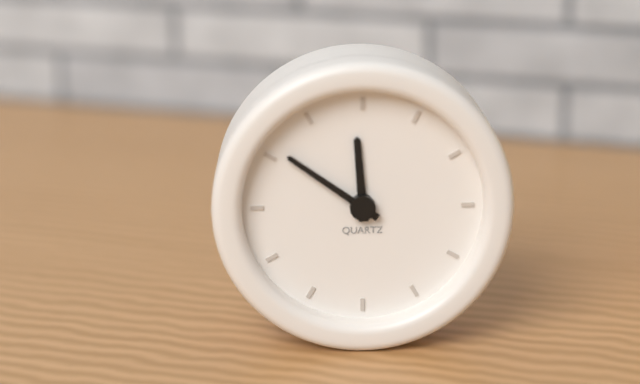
11.51
